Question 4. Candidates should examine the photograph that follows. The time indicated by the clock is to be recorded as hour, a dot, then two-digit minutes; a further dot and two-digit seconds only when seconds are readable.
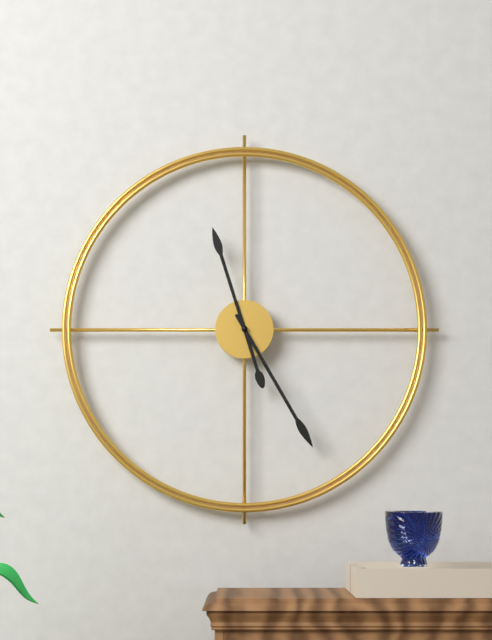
11.25
